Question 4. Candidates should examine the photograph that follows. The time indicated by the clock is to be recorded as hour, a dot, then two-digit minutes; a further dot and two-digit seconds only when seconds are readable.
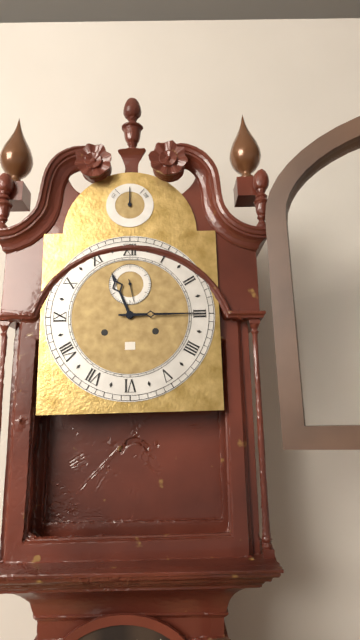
11.15
